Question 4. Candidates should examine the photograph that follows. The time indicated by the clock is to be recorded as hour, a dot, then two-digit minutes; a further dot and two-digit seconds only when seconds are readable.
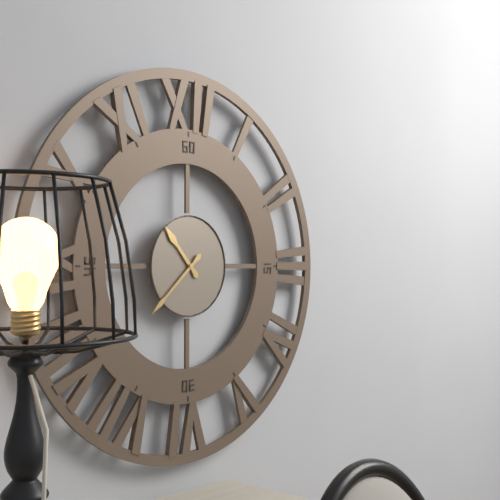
10.38
